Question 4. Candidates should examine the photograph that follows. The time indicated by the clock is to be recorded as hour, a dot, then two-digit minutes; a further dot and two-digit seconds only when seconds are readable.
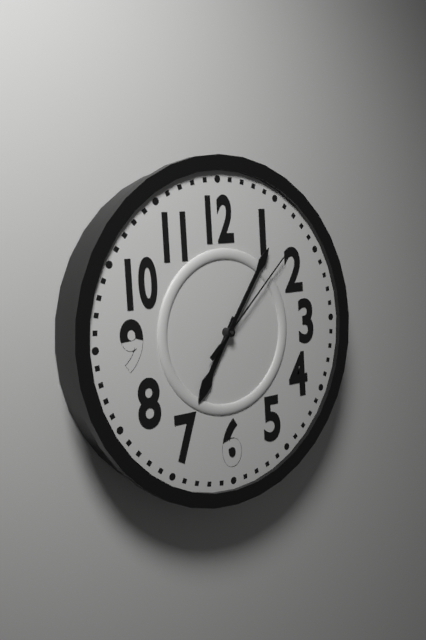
7.06.08
